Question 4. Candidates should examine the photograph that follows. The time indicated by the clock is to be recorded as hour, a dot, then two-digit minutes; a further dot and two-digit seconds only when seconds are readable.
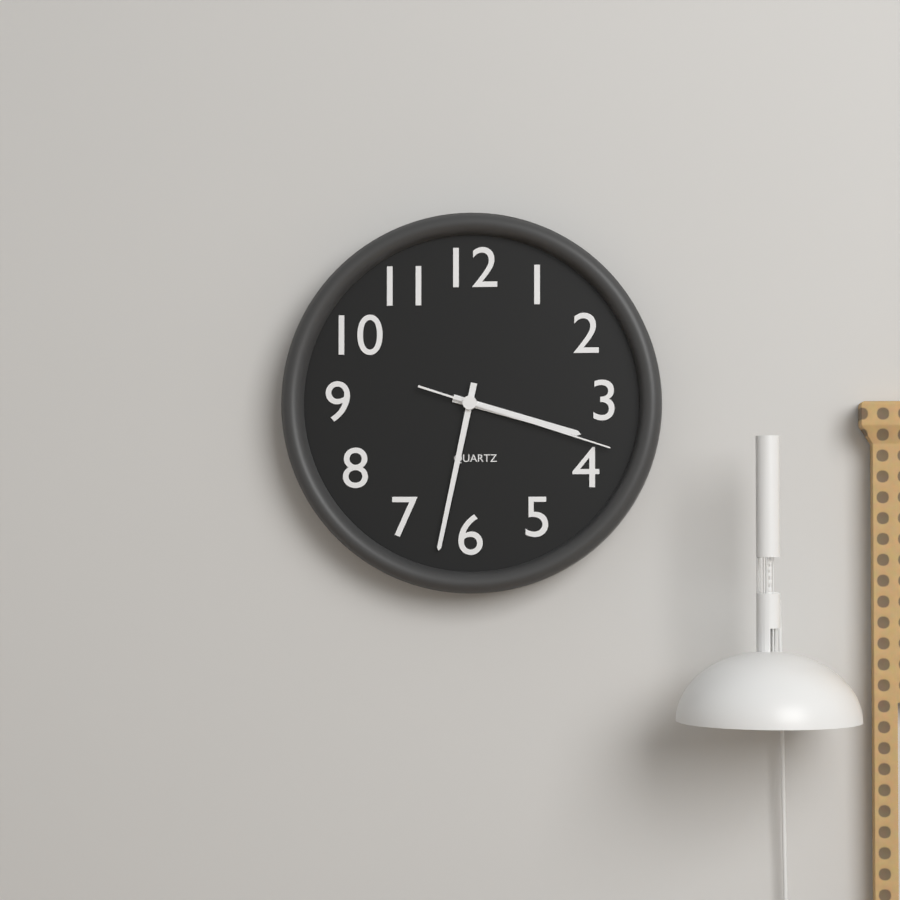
3.32.18
